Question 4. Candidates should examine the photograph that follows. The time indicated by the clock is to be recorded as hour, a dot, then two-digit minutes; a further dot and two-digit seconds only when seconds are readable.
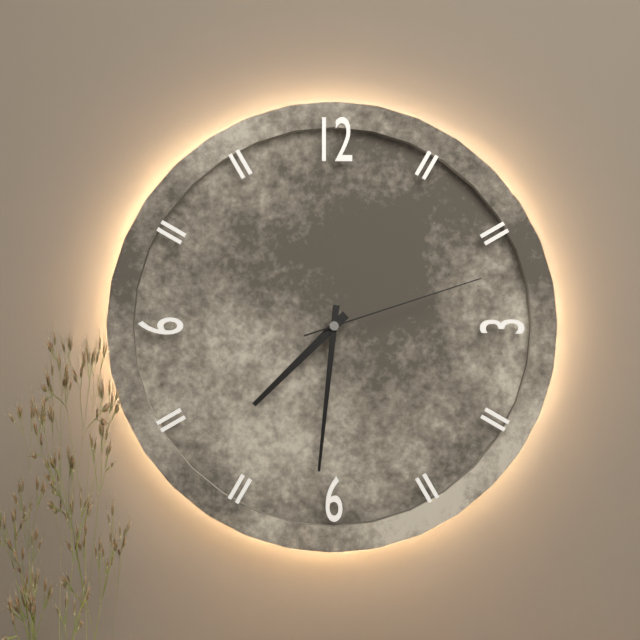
7.31.12
